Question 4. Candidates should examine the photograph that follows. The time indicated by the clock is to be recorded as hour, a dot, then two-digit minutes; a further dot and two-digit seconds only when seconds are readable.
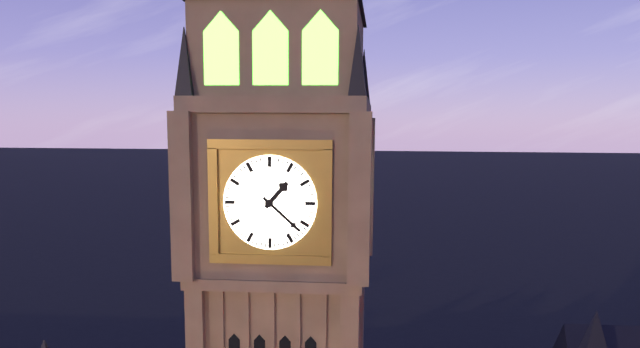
1.22
